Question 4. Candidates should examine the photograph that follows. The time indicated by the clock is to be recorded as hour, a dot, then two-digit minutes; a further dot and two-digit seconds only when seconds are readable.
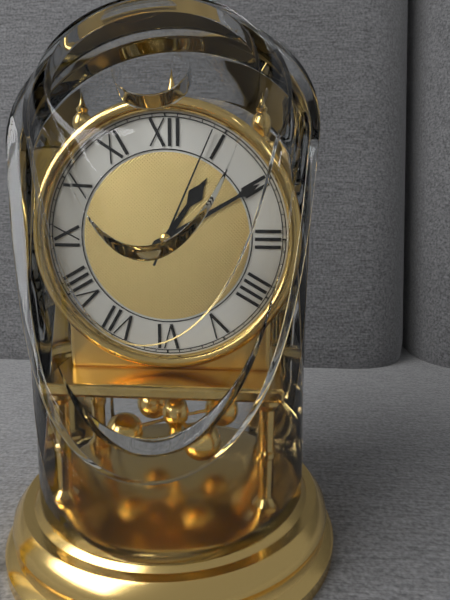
1.10.04
